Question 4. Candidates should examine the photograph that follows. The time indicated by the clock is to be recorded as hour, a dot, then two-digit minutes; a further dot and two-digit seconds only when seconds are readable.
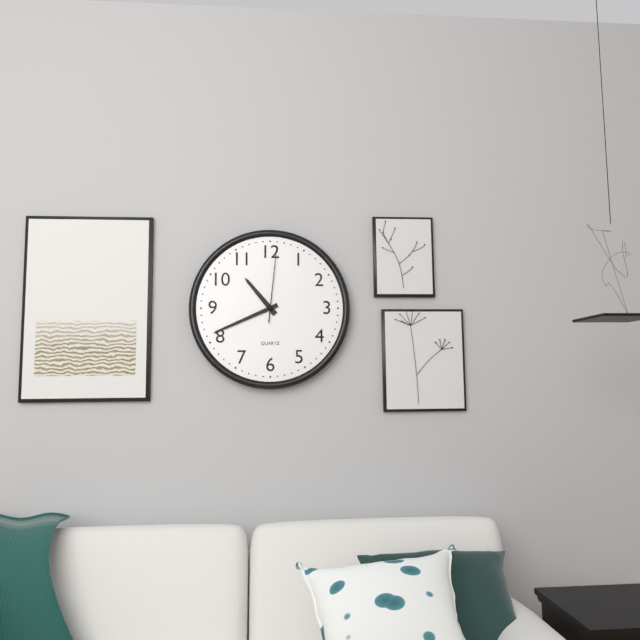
10.41.01
